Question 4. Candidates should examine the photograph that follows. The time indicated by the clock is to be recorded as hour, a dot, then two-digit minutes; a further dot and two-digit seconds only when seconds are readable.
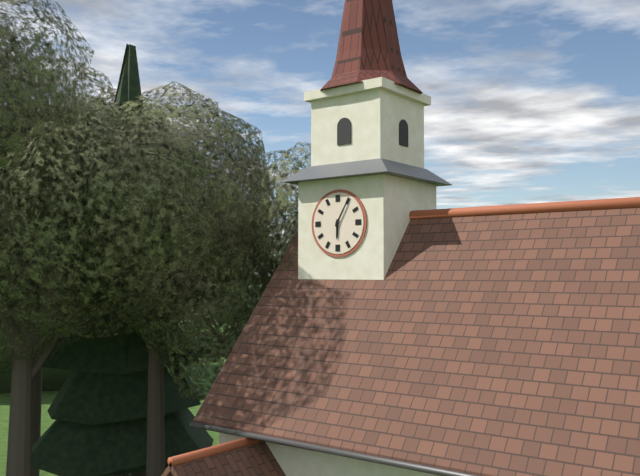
6.05
